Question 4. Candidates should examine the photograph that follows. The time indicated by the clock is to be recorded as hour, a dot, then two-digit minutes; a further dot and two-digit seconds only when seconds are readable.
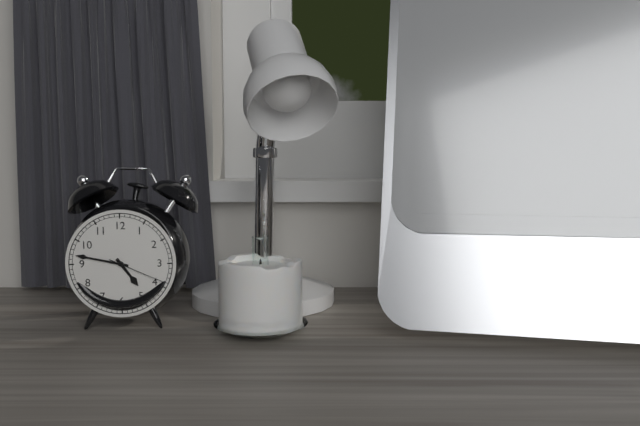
4.47.19
